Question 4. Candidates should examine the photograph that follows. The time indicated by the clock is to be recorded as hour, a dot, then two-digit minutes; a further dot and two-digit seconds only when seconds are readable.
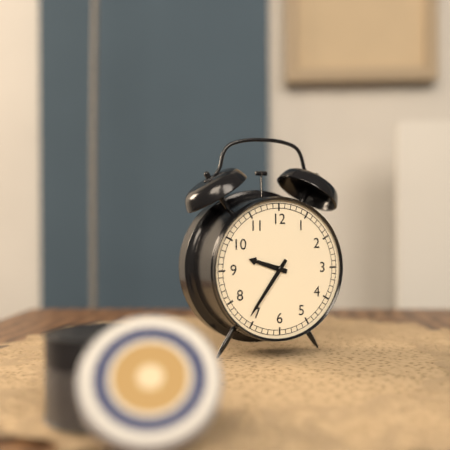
9.36
